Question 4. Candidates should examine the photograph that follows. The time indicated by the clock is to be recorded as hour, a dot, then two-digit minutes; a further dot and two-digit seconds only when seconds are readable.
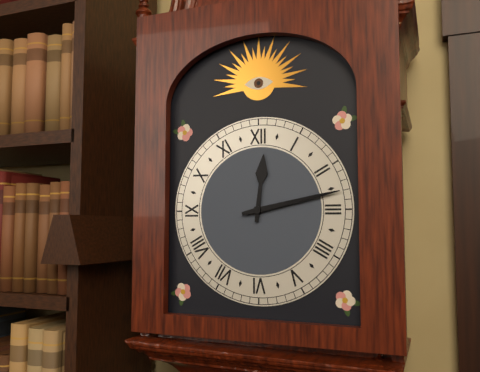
12.13
